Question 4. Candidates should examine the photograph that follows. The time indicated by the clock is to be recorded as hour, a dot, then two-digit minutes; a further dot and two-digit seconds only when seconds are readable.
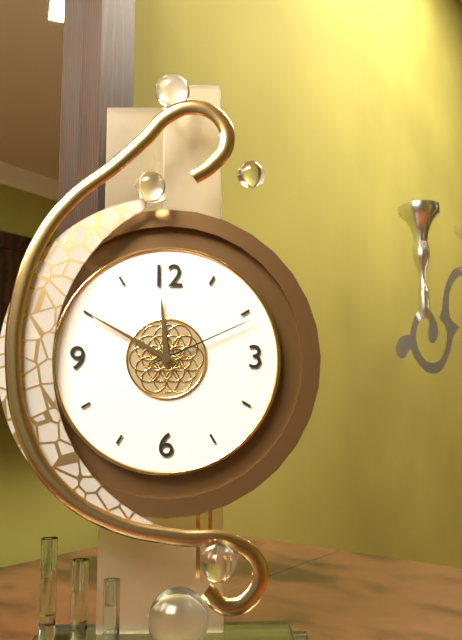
11.50.11
